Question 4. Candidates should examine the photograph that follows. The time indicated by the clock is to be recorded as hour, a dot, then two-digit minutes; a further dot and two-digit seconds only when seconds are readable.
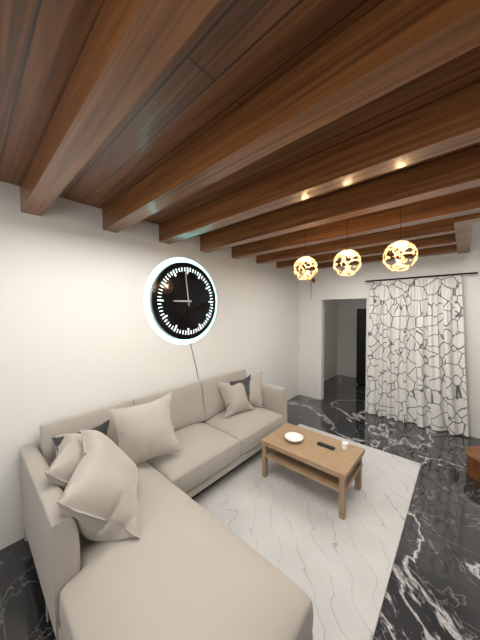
8.59
